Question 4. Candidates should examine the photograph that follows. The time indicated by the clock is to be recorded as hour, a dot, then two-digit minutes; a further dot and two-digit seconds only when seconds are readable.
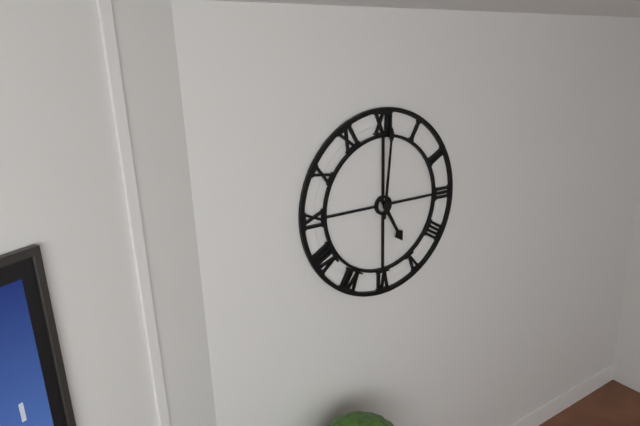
5.01
